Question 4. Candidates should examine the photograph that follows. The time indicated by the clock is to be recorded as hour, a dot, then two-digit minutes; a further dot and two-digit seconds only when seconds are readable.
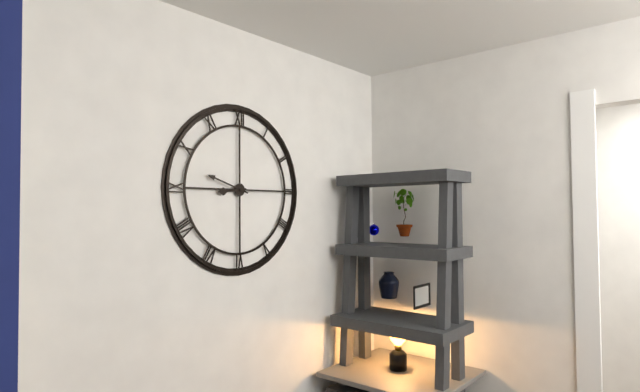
8.48
